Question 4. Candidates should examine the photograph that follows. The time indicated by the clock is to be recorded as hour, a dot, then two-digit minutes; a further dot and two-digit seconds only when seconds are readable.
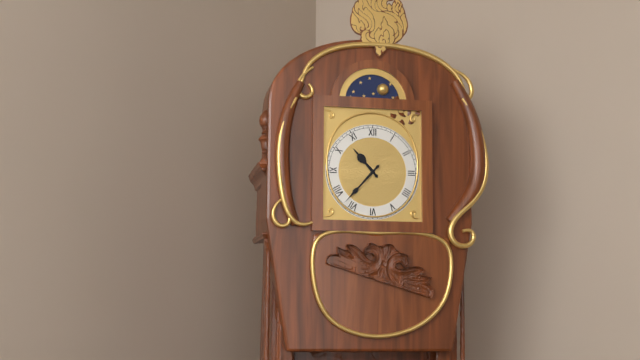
10.37
